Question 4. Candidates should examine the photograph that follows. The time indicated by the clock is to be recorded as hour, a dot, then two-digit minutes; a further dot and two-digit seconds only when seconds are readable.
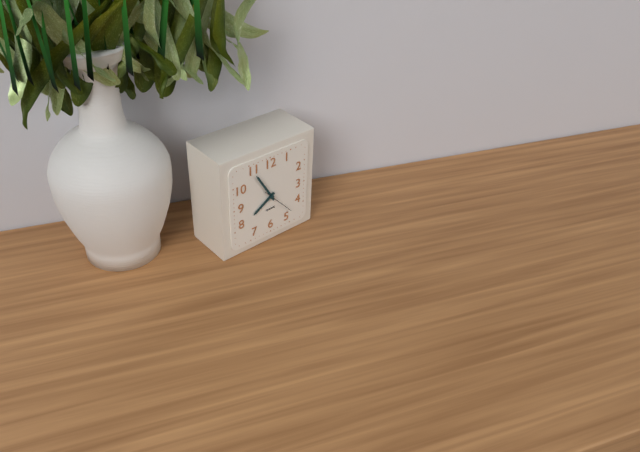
7.55
